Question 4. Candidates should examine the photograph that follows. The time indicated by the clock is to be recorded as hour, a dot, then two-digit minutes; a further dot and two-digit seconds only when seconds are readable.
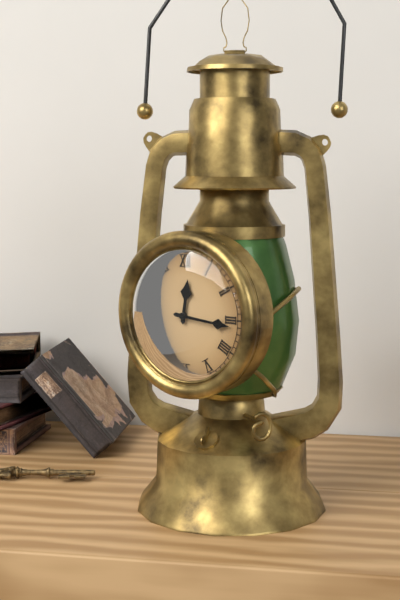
12.16
